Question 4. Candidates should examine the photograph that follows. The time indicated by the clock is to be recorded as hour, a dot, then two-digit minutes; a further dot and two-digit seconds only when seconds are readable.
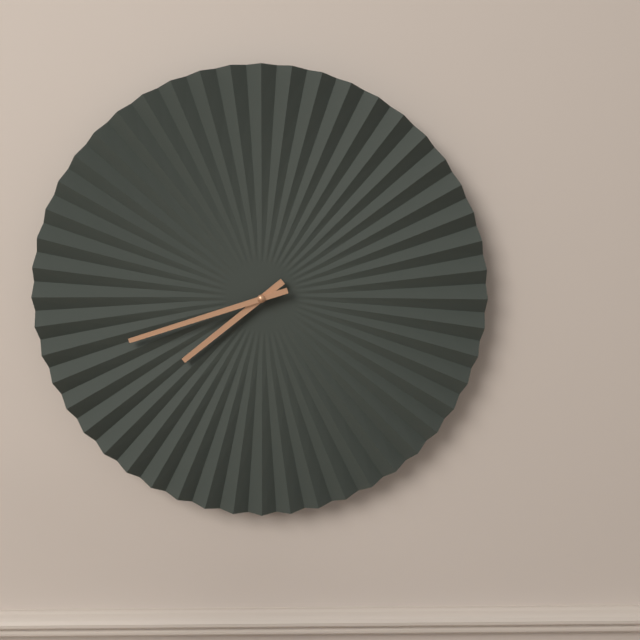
7.42
